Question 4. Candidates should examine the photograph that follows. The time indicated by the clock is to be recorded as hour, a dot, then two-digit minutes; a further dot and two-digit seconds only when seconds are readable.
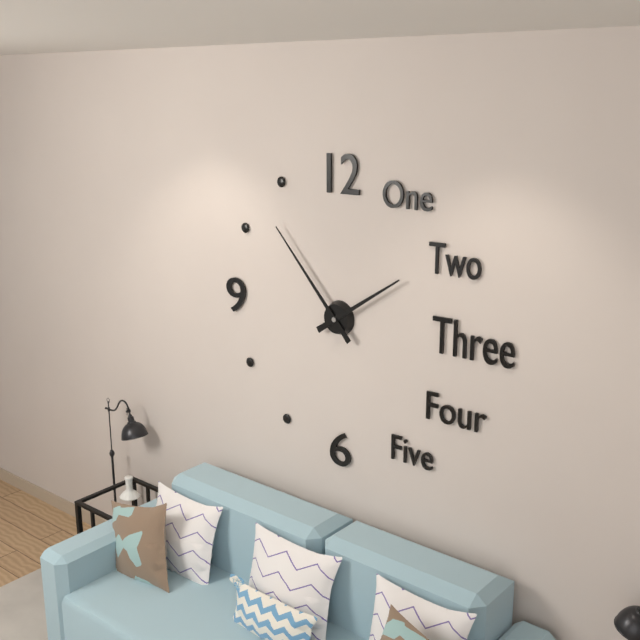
1.53
